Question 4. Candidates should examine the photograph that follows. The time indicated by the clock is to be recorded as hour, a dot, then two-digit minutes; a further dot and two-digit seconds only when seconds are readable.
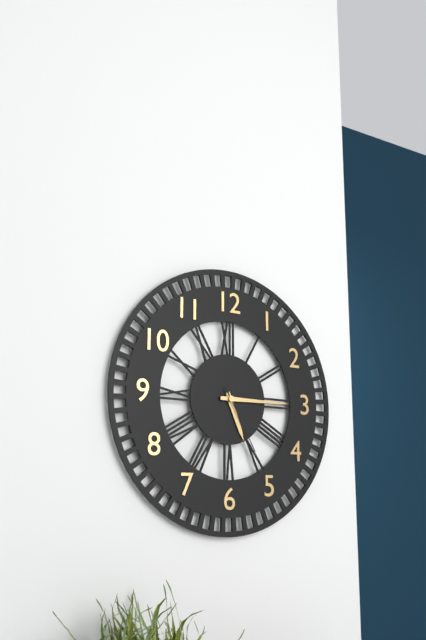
5.15.25
